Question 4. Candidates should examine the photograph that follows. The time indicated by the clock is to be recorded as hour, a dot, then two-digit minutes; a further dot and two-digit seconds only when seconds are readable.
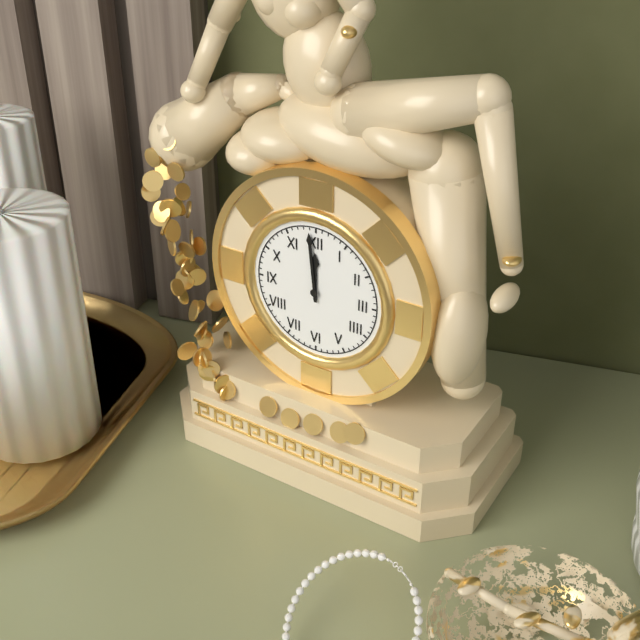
11.59
